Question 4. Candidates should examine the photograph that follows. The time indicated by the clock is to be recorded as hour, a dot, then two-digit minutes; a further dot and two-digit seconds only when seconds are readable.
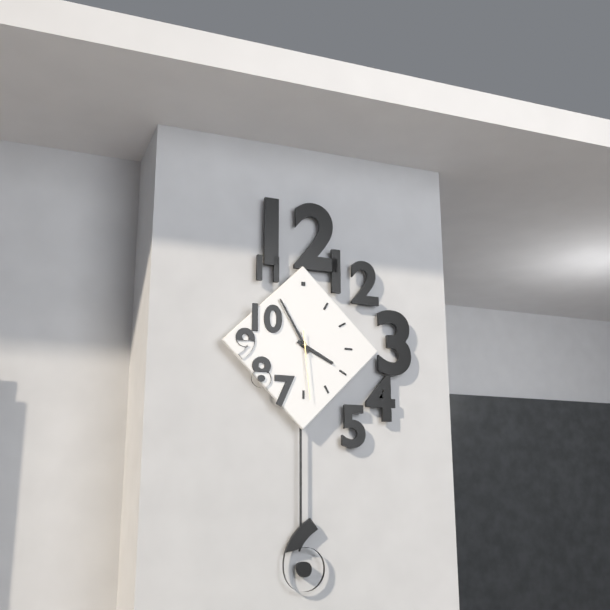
3.55.29
